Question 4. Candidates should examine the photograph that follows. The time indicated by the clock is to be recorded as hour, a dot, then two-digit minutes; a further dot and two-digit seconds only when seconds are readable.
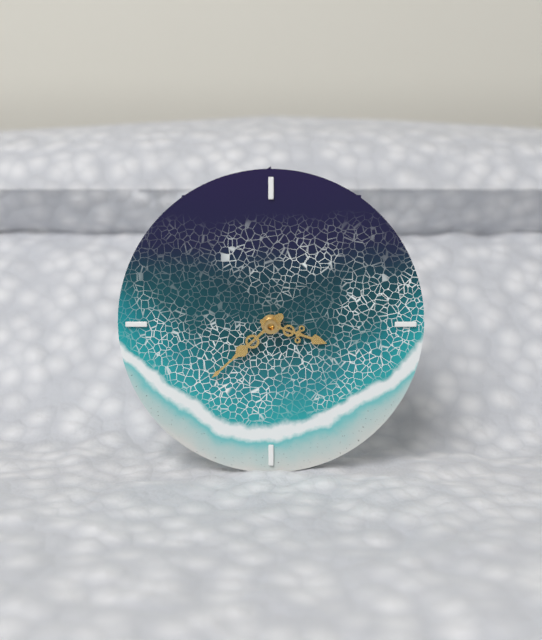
3.38
